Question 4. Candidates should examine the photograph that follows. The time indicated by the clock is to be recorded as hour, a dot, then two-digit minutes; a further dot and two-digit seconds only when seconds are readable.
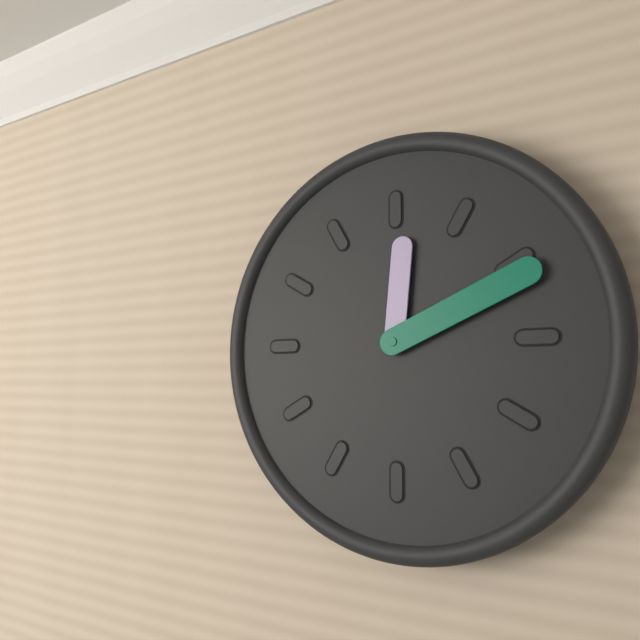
12.11
